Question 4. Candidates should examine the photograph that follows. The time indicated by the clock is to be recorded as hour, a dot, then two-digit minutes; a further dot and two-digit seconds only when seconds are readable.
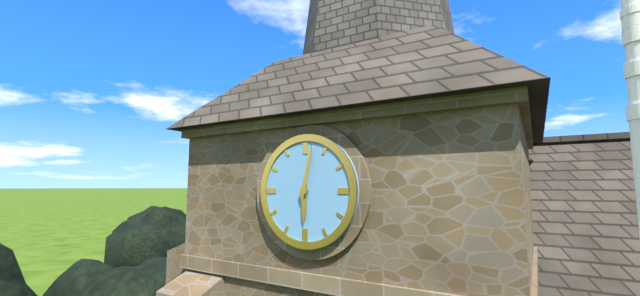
6.02
